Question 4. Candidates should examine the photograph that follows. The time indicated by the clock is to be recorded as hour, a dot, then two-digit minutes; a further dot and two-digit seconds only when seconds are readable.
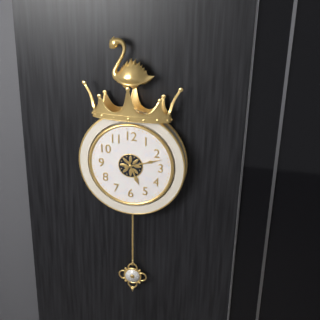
5.12
